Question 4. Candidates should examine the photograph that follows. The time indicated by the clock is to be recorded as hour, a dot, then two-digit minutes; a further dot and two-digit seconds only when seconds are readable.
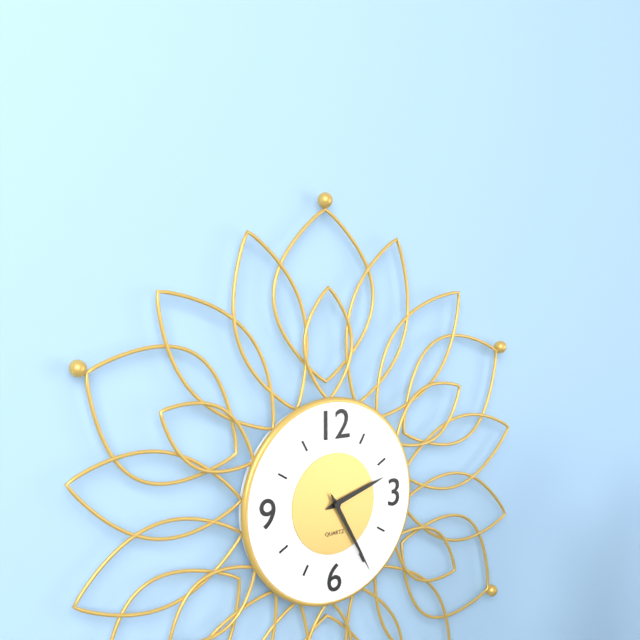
2.25
